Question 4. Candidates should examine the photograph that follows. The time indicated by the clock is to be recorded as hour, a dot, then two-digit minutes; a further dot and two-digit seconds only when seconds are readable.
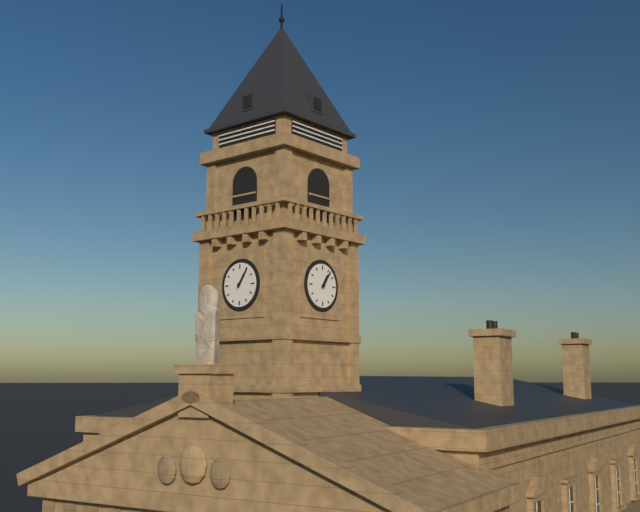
1.06
